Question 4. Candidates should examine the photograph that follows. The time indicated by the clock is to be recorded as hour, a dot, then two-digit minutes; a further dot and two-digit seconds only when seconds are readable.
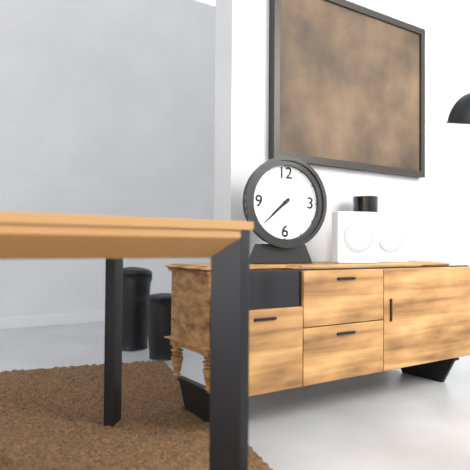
7.38
